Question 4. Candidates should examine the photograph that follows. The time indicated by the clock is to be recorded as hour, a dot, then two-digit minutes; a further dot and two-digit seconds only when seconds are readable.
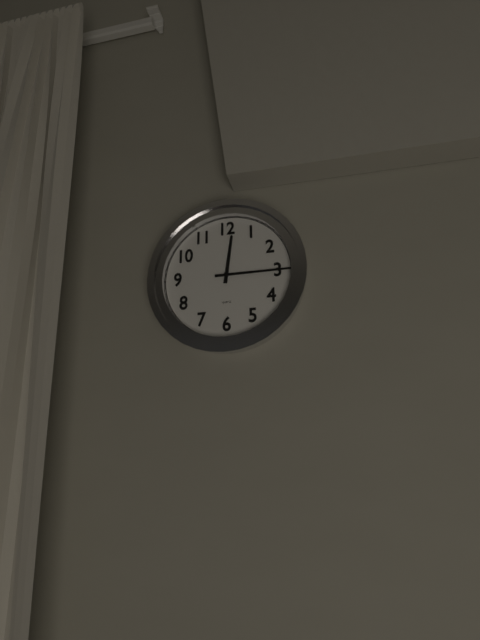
12.15
